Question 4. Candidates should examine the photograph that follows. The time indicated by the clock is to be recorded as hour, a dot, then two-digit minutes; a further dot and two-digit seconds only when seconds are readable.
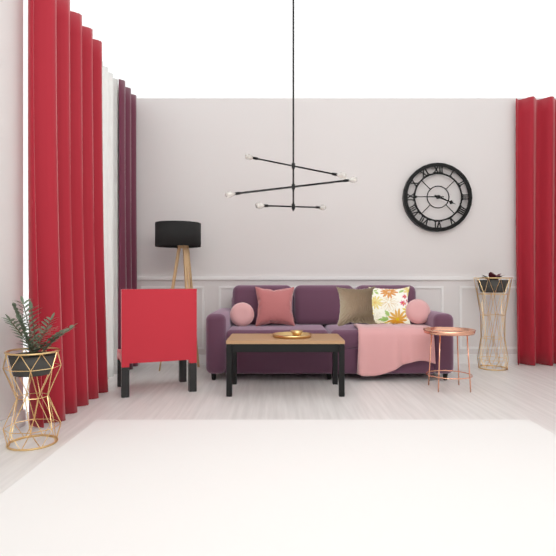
3.45
